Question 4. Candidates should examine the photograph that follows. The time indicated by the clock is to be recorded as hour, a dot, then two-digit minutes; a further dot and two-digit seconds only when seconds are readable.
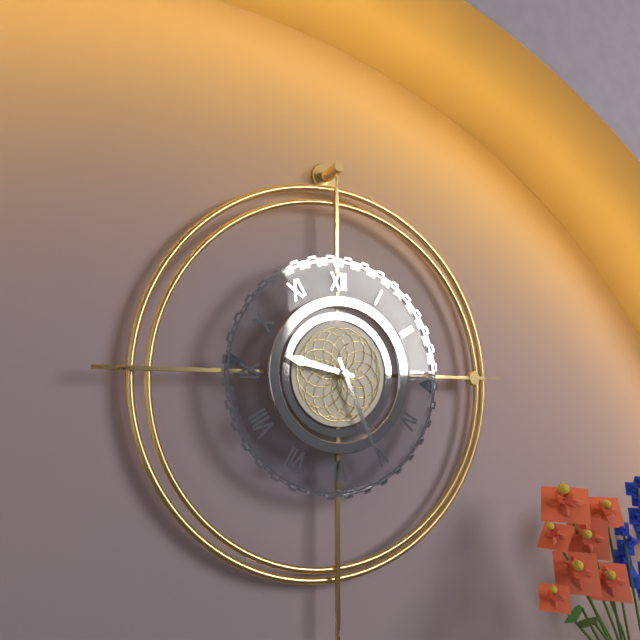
9.26
